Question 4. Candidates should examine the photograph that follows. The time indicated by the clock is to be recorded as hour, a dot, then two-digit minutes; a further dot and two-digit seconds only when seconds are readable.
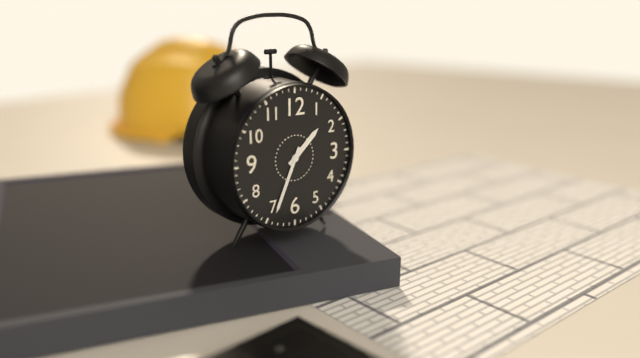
1.34
